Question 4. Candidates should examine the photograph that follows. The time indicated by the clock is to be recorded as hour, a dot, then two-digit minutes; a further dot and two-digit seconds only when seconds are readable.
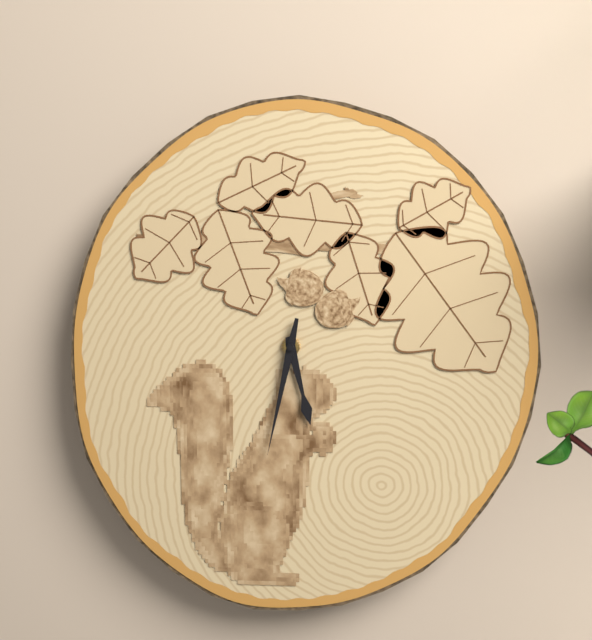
5.32
